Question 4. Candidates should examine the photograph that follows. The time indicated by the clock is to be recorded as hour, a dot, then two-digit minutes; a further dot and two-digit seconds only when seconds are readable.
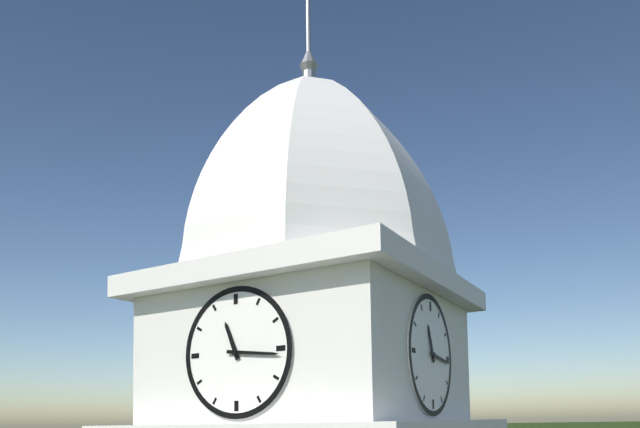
11.16
